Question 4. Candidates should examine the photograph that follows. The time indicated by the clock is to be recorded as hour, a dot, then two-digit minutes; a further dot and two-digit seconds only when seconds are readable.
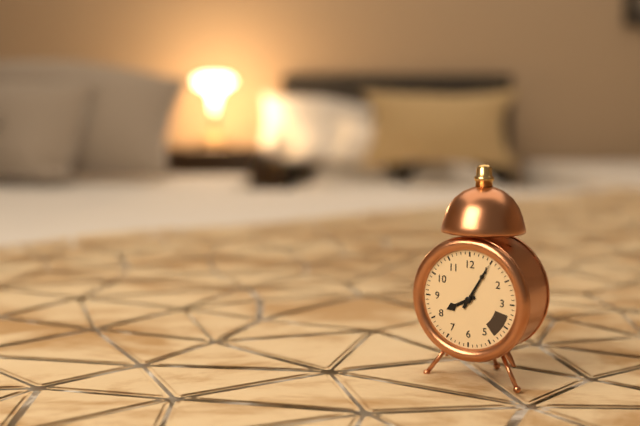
8.05
